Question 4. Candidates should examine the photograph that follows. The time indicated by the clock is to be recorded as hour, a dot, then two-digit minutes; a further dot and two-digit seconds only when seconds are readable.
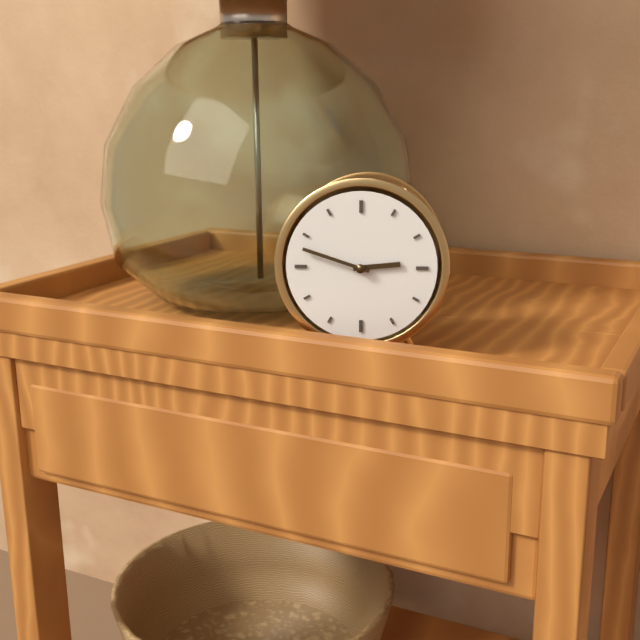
2.48
